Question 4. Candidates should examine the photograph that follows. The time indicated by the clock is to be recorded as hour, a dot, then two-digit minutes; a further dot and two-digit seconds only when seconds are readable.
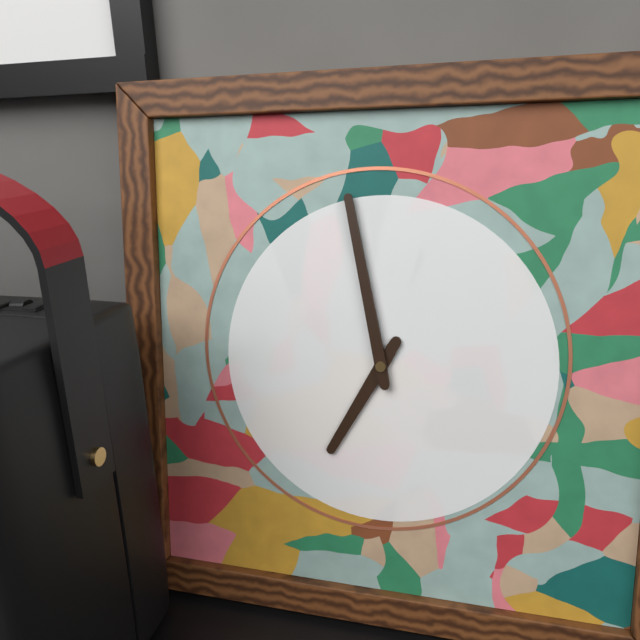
6.58
